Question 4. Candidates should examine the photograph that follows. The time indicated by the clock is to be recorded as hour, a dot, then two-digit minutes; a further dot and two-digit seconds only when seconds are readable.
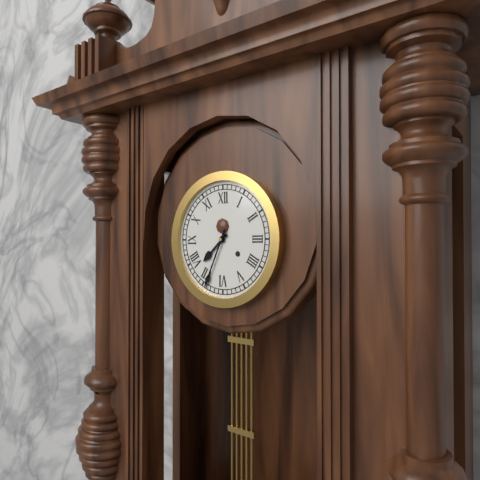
7.34
